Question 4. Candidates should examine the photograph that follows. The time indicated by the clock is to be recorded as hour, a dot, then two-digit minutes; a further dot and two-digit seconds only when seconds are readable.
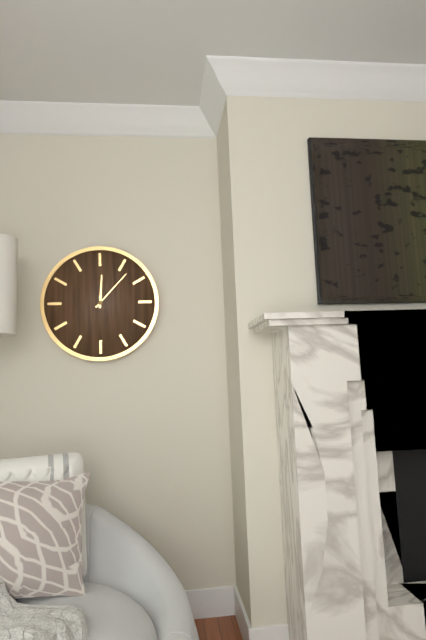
12.07
